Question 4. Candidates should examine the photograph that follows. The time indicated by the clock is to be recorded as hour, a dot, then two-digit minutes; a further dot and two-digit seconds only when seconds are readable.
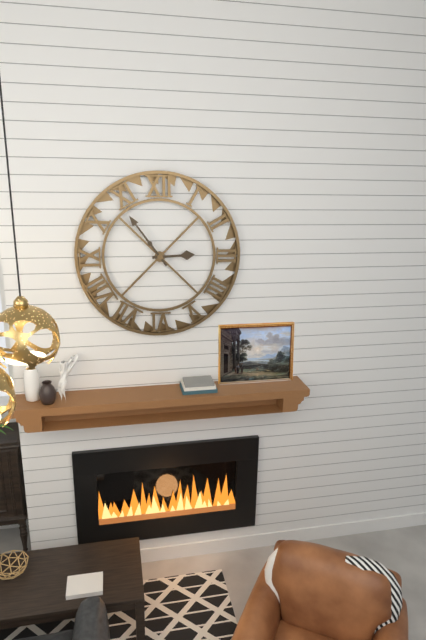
2.54
